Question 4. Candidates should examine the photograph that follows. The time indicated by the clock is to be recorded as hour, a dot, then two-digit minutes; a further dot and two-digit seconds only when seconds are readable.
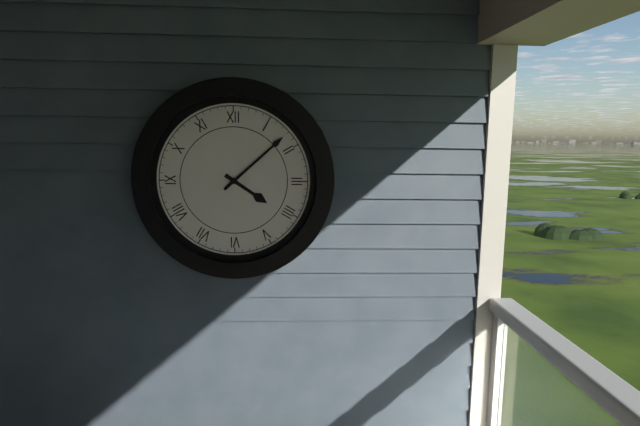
4.08
